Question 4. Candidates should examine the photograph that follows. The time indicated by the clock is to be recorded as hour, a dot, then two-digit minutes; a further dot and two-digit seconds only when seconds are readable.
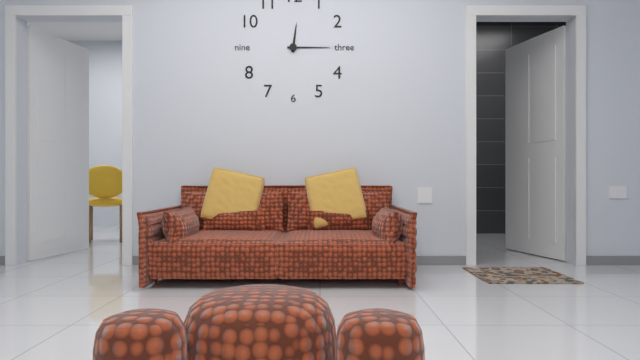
12.15
